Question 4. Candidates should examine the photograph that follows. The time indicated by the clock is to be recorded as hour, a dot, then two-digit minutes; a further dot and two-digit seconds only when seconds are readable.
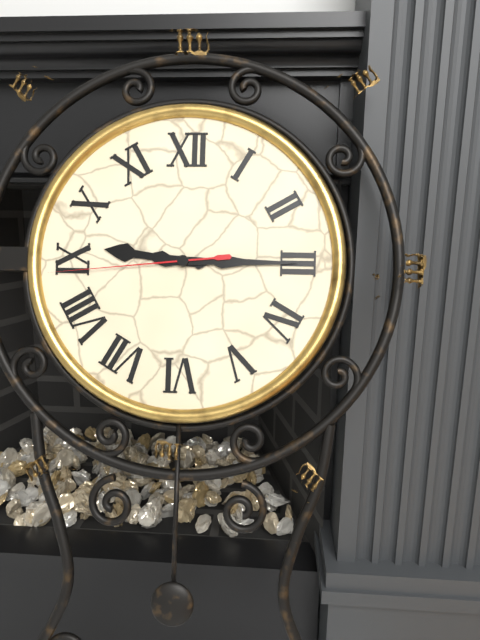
9.15.44
